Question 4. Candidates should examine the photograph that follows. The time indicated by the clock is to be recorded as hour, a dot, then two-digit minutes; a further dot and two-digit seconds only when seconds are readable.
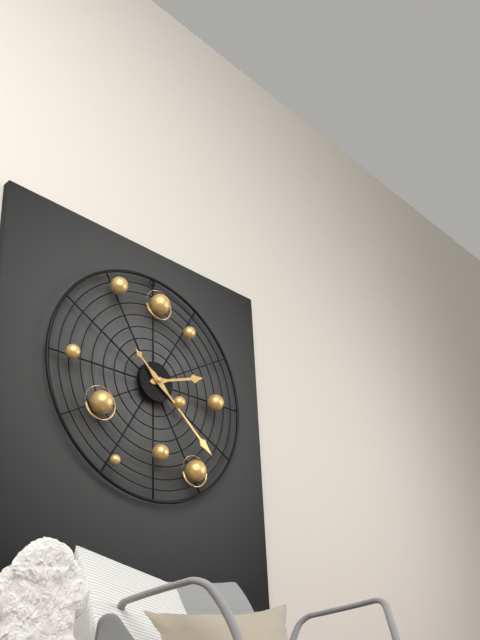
2.22
